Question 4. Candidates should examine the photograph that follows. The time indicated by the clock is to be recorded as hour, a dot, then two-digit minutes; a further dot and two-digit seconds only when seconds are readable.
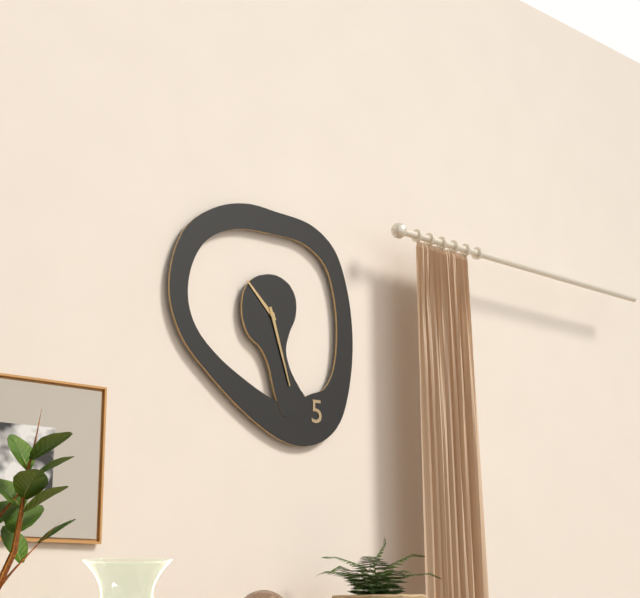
10.27
